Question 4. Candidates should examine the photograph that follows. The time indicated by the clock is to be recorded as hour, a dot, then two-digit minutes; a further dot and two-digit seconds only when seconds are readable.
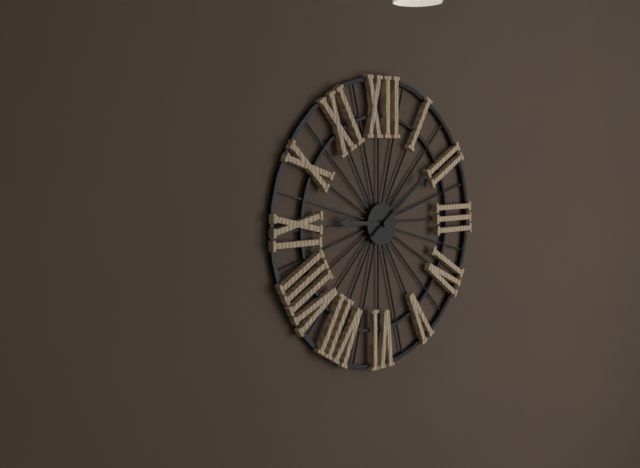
9.09
